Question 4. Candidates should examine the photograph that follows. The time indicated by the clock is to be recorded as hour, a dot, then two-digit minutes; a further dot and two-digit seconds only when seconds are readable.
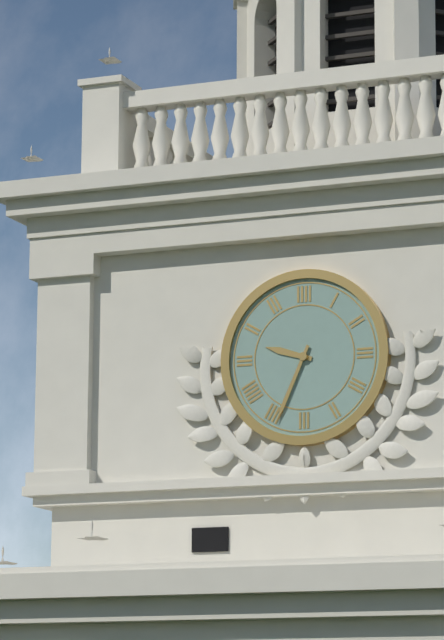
9.34
